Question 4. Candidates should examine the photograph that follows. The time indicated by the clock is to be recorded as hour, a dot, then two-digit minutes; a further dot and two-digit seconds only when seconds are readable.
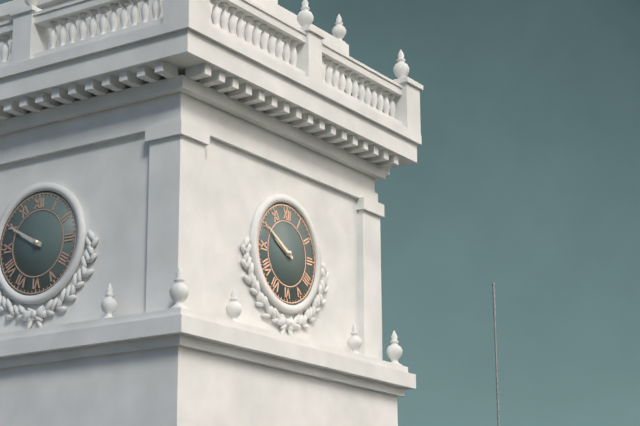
9.50
